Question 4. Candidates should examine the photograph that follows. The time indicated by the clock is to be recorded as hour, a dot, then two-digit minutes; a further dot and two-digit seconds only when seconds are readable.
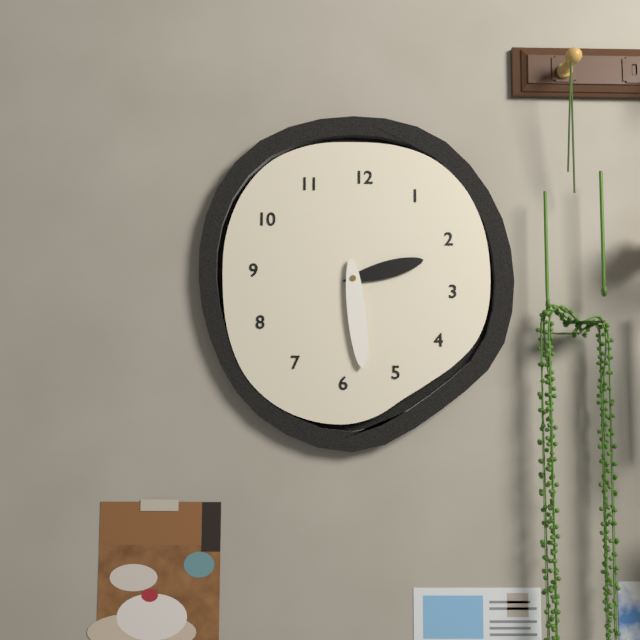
2.29
